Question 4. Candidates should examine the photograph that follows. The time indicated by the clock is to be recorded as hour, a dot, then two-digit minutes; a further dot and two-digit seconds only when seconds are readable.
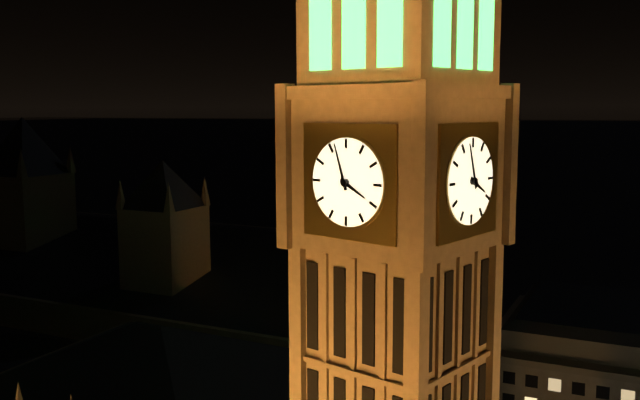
3.57
